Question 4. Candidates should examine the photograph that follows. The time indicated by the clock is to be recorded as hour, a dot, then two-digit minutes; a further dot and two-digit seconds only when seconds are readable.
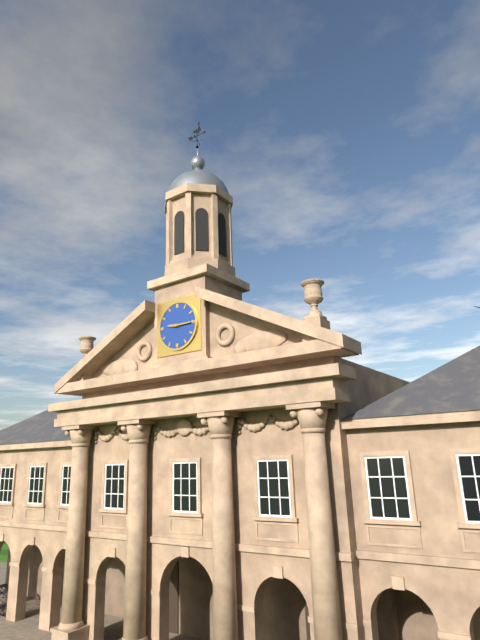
9.15
